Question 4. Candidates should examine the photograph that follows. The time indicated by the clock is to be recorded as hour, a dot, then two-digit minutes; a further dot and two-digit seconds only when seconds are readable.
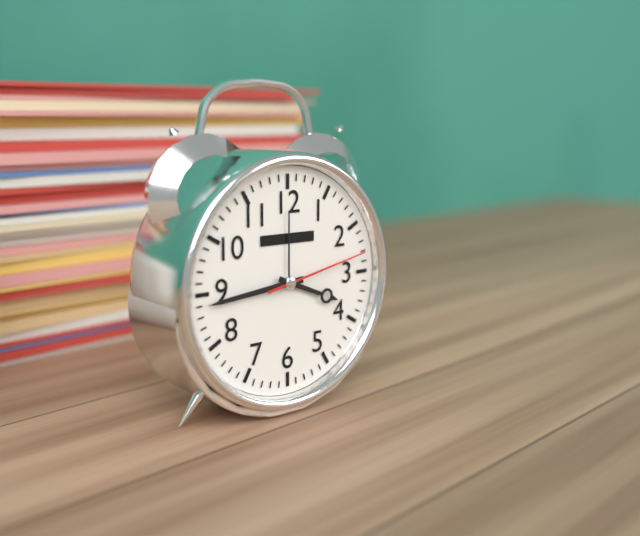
3.44.13
